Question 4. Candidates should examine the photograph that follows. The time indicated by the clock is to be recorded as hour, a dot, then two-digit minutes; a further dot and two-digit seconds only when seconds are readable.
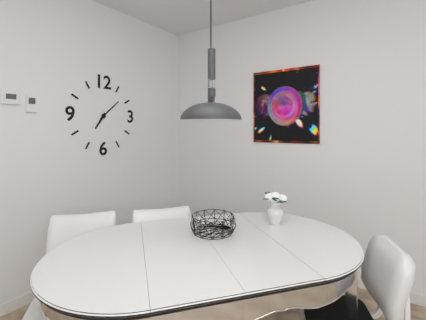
7.08
